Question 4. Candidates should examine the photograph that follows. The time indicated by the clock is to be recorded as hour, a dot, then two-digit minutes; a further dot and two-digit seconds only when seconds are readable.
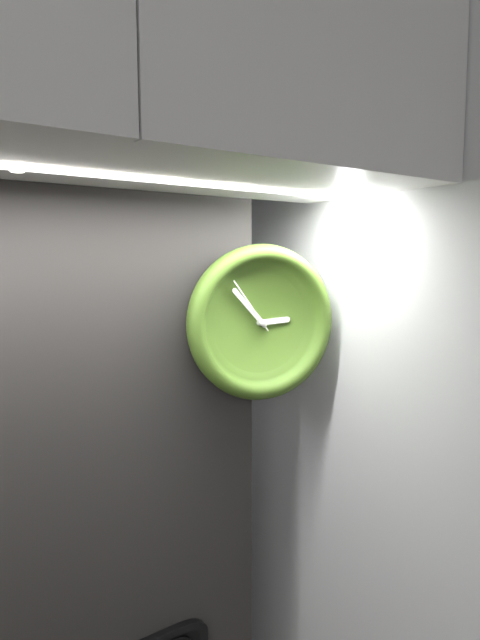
2.53.54
